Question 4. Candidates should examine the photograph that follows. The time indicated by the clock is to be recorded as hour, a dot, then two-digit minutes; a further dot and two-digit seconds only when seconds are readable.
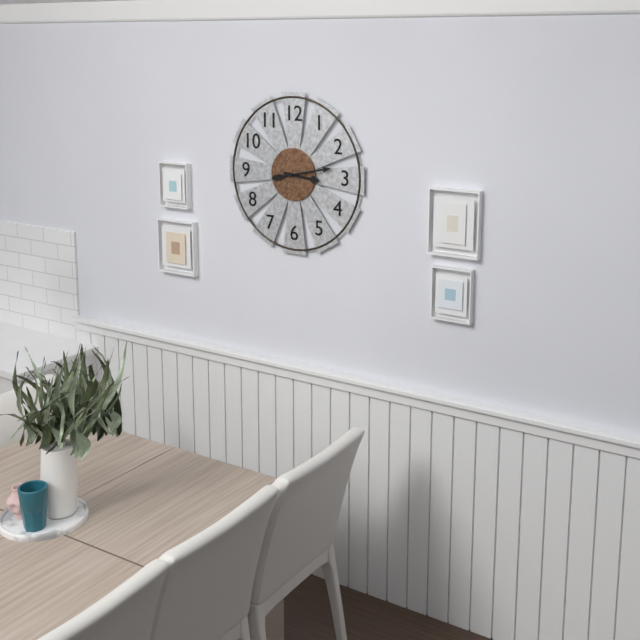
3.13
